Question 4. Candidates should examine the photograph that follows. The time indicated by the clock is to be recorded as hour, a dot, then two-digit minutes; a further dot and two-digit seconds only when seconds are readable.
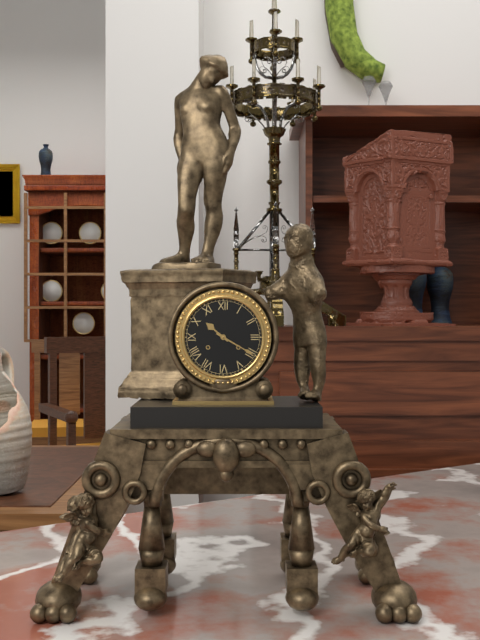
10.20
